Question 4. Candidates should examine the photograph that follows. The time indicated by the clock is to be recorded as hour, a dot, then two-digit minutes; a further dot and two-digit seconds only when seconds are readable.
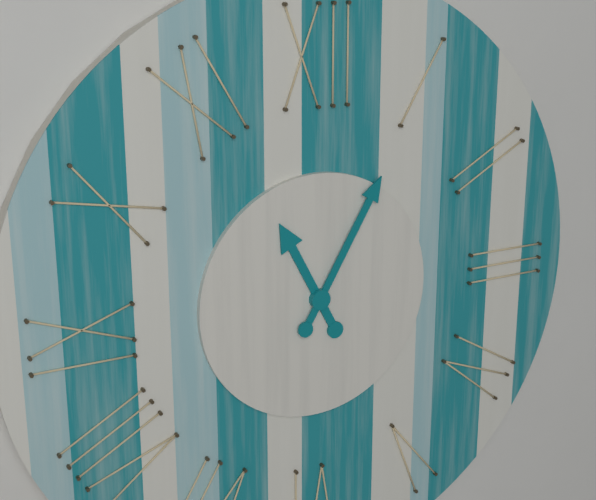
11.05
